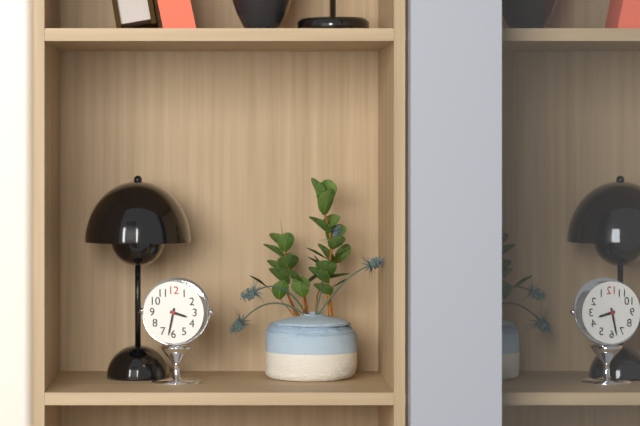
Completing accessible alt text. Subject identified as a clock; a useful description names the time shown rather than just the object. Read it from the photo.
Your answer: 3:32
